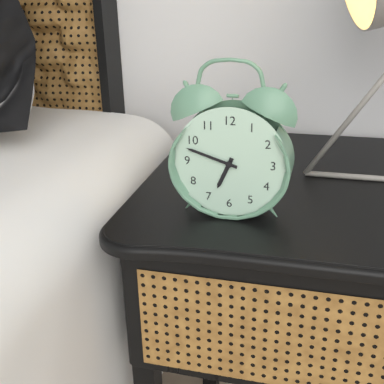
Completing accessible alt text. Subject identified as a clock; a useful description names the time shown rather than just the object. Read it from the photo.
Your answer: 6:48
